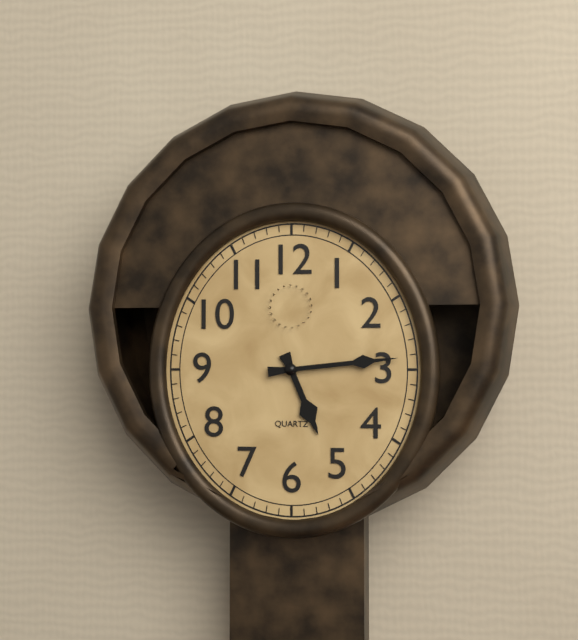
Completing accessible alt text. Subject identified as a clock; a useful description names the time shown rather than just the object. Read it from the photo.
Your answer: 5:14
